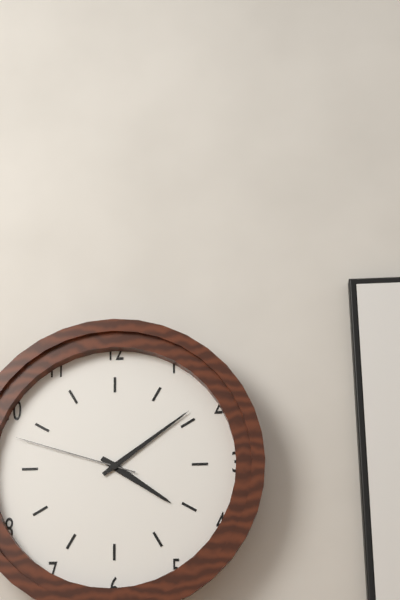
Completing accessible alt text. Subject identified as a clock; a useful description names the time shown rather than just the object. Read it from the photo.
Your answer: 4:09:48
